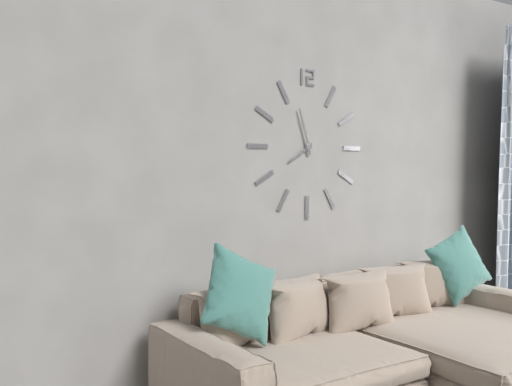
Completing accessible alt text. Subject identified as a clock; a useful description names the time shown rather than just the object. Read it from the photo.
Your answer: 7:57
